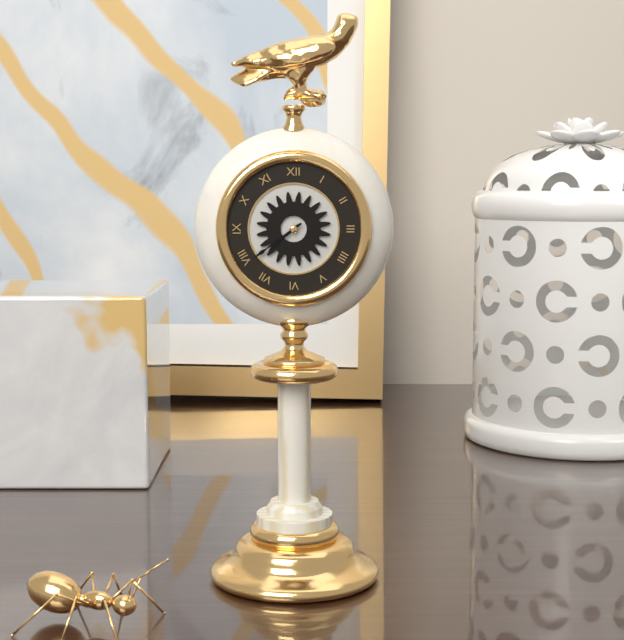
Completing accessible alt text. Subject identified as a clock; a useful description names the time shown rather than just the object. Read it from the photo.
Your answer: 7:39
